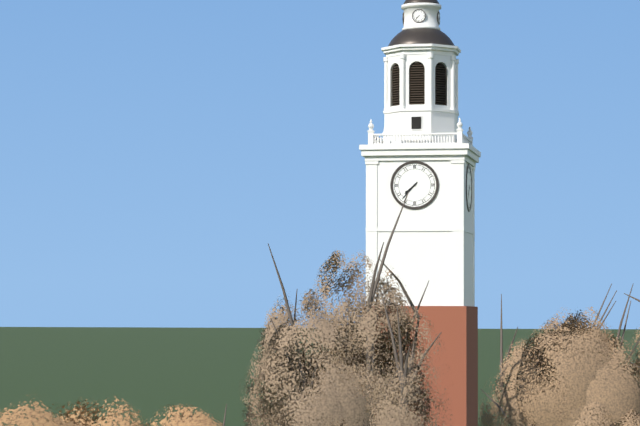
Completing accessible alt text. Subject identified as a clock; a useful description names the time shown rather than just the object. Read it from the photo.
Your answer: 7:37
